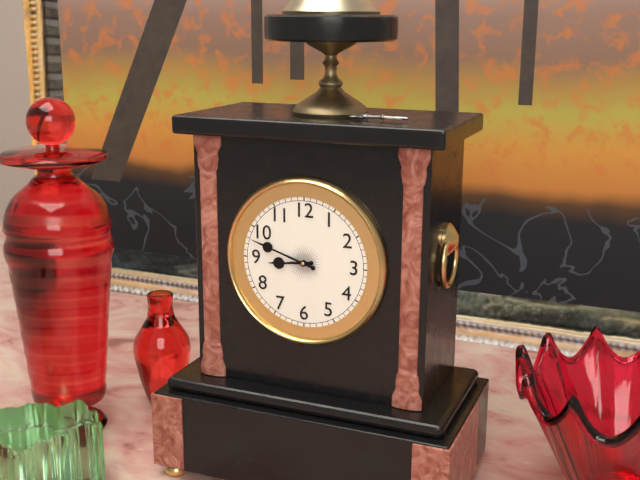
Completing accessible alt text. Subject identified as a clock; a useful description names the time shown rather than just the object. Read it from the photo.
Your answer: 8:48
